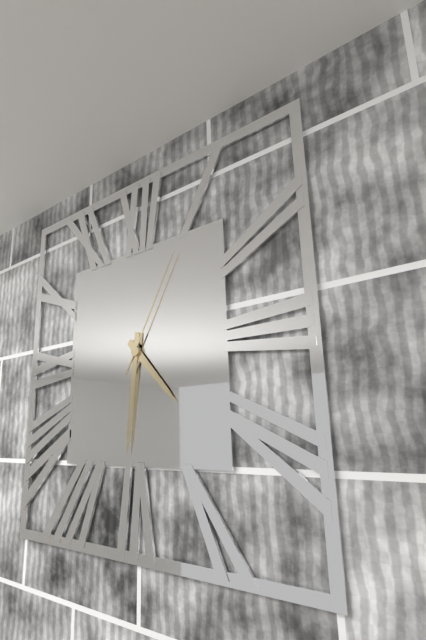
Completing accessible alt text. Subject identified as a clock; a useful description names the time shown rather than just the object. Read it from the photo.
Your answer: 4:31:05
